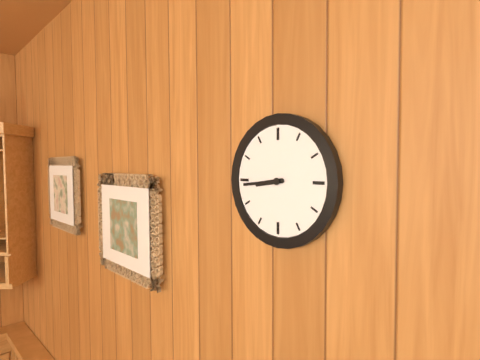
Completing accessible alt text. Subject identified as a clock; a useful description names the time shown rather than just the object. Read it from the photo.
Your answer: 8:44
